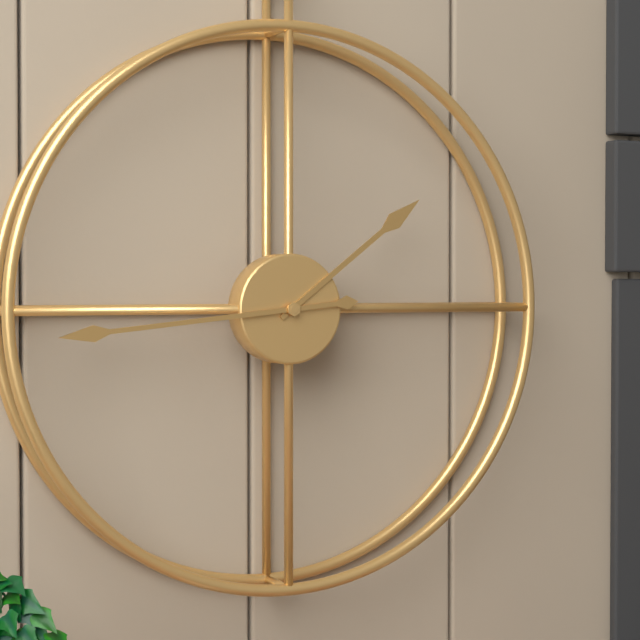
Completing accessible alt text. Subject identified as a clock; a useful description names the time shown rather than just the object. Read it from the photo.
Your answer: 1:44
